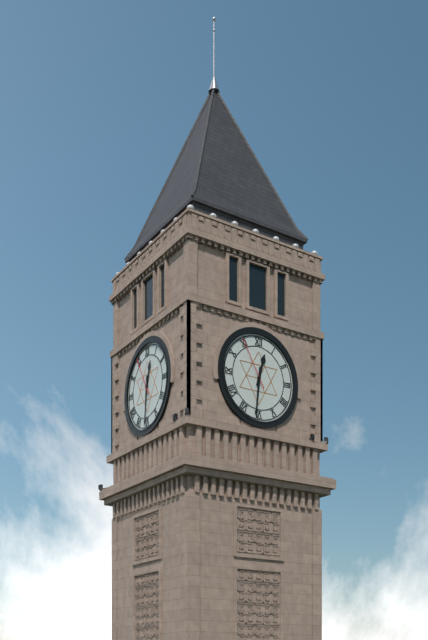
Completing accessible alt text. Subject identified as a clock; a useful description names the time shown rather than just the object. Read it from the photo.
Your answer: 12:31:55
